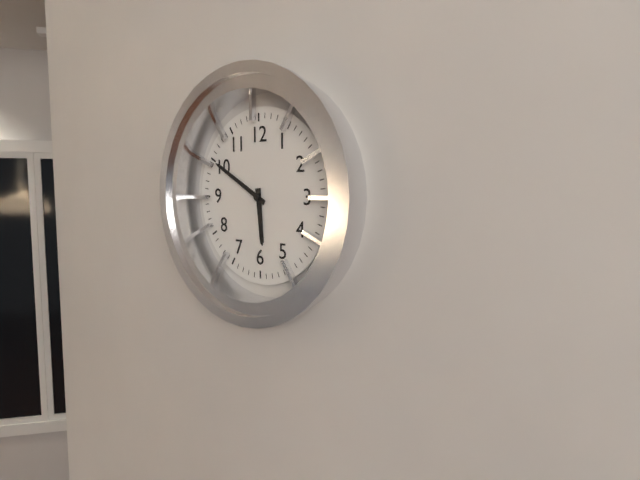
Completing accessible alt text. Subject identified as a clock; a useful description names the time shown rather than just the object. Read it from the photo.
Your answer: 5:50
